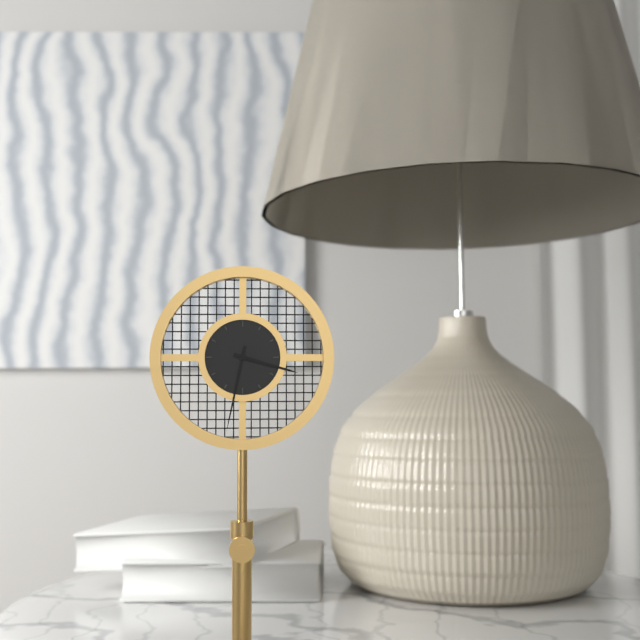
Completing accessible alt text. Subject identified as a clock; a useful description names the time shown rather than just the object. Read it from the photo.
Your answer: 3:32
